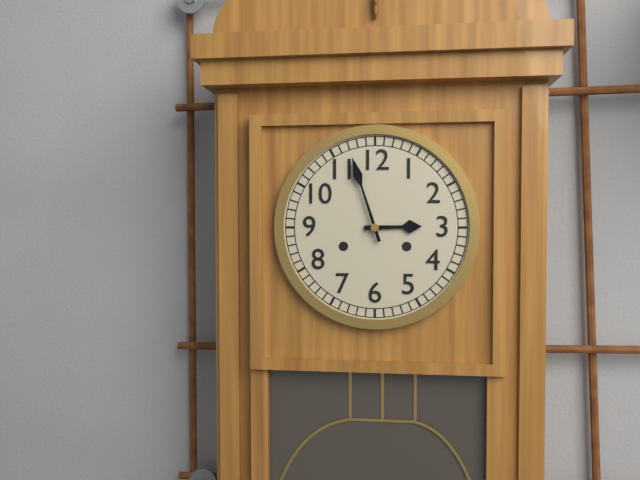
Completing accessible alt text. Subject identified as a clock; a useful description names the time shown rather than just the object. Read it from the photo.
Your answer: 2:57
